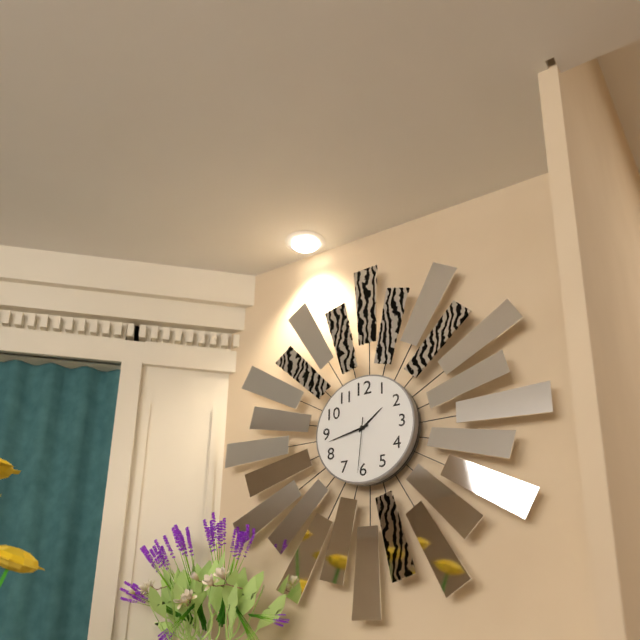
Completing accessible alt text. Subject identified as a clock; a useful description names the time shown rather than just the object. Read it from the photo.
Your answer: 1:43:31
